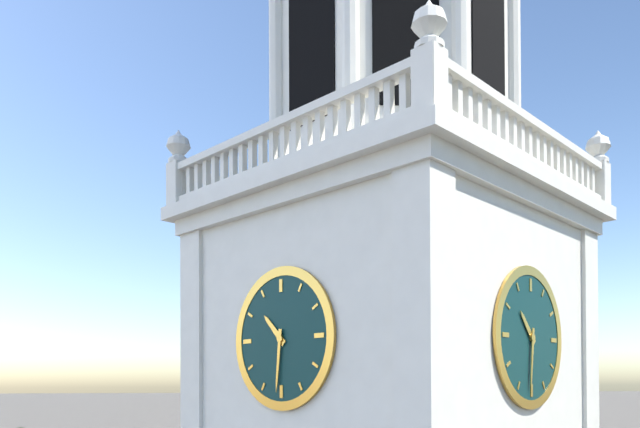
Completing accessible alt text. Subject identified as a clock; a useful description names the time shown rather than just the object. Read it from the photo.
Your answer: 10:31
